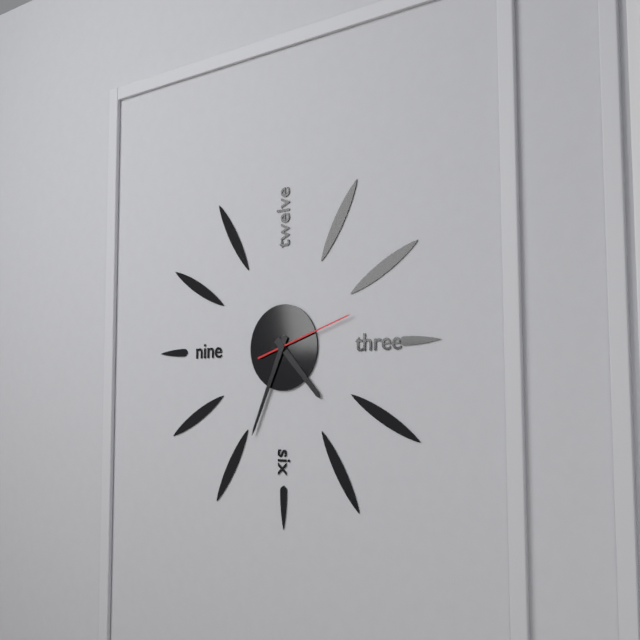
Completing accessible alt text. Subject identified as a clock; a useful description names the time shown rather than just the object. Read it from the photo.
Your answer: 4:34:12
